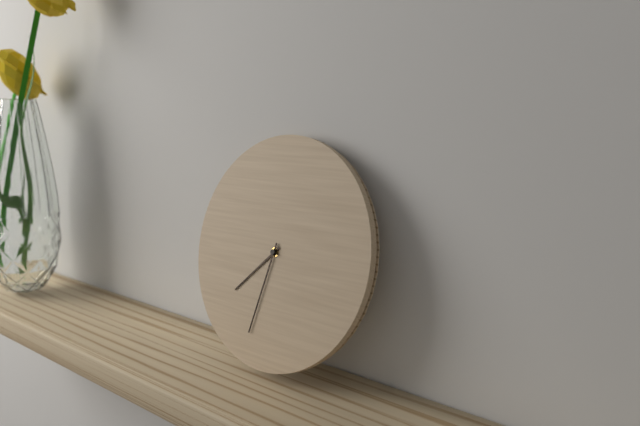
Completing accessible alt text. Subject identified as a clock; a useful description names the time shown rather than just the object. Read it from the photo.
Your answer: 7:32
